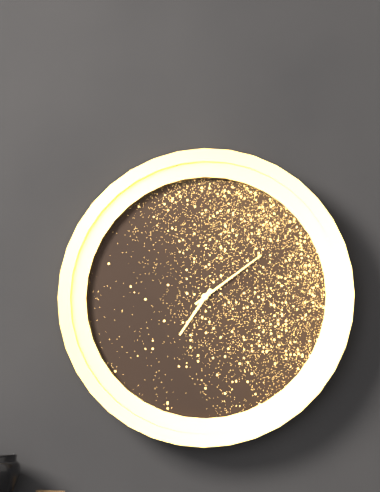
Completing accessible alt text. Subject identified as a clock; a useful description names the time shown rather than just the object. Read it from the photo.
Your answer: 7:09
